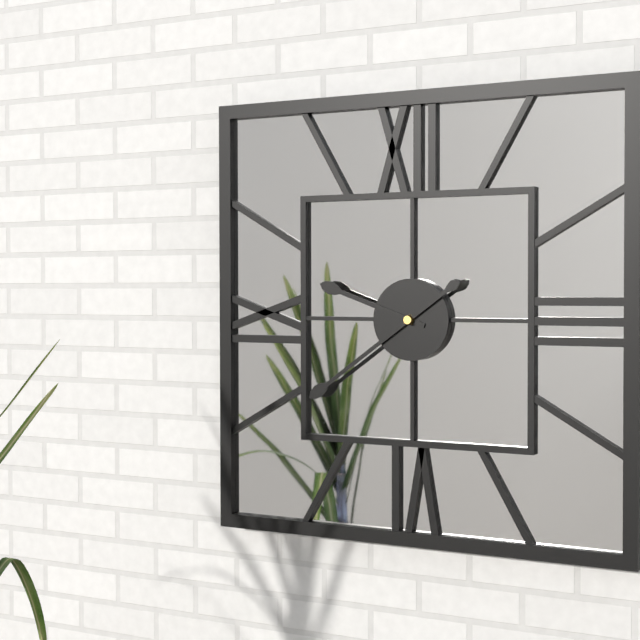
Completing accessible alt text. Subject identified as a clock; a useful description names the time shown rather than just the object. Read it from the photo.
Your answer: 9:39
